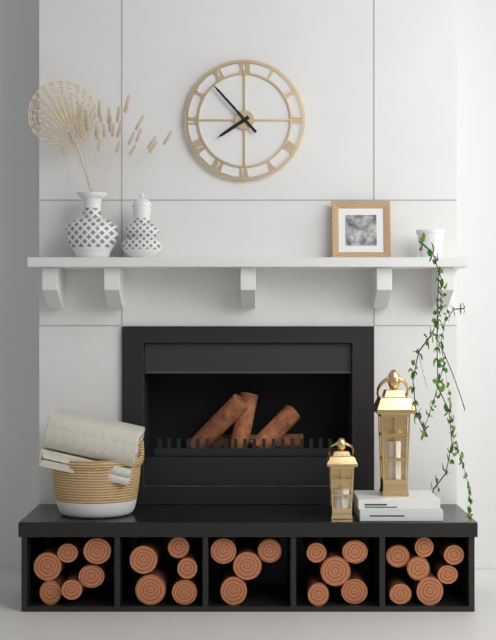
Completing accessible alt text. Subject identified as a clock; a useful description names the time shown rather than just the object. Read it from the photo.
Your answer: 7:53
